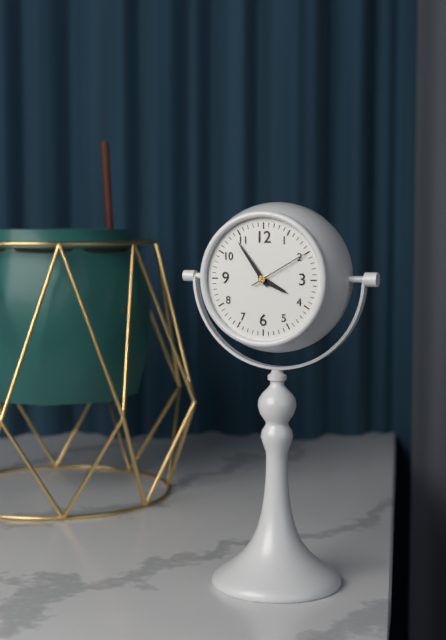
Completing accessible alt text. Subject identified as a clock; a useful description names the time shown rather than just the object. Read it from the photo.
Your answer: 3:54:10
